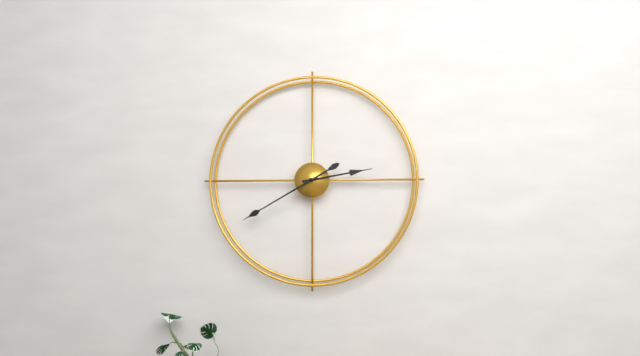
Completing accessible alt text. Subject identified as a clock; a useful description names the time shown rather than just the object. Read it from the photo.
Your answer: 2:40
